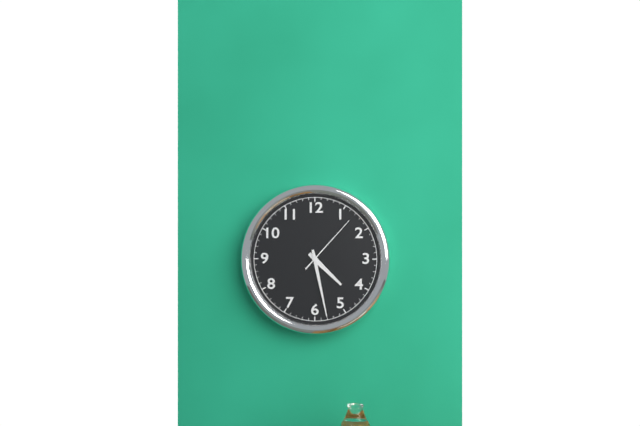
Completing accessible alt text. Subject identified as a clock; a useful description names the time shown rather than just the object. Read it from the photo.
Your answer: 4:28:07
